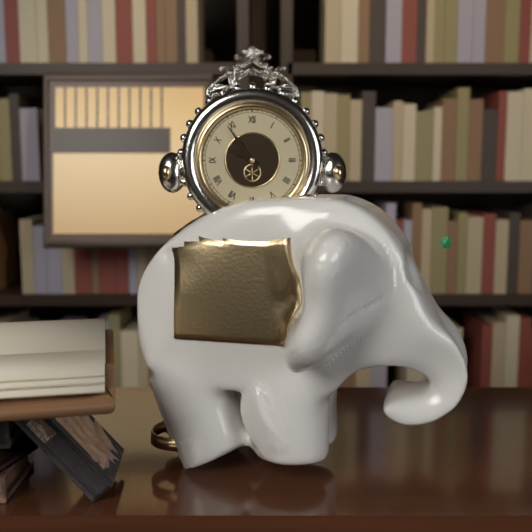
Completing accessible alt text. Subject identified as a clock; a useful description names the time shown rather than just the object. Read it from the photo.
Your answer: 9:54
